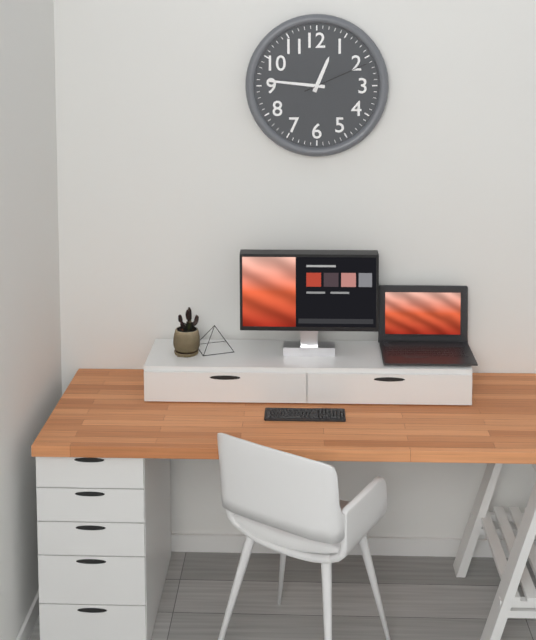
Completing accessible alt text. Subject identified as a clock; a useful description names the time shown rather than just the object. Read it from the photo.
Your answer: 12:46:11
